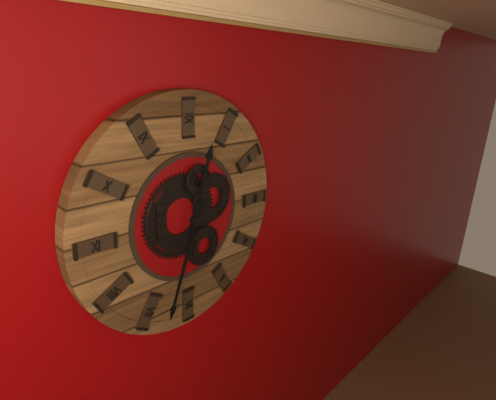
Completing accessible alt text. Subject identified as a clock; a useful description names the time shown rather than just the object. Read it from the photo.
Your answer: 12:33
